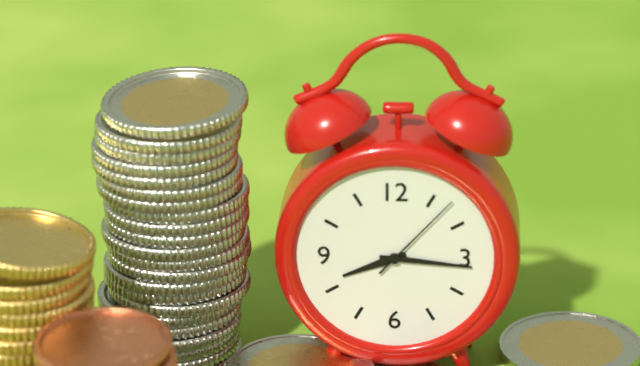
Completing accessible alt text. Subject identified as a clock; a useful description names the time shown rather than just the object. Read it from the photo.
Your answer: 8:16:07
